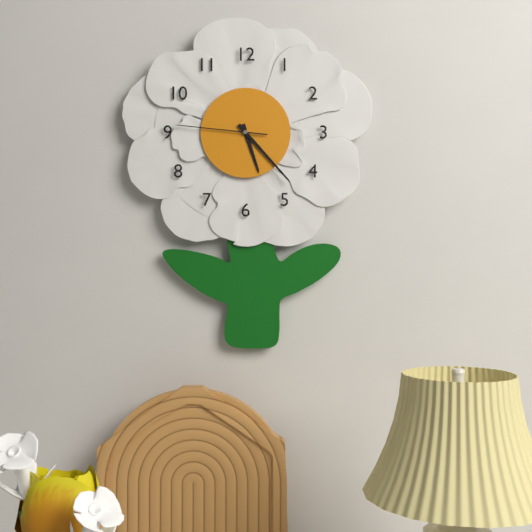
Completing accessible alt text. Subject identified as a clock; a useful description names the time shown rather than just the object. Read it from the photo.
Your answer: 5:23:46
